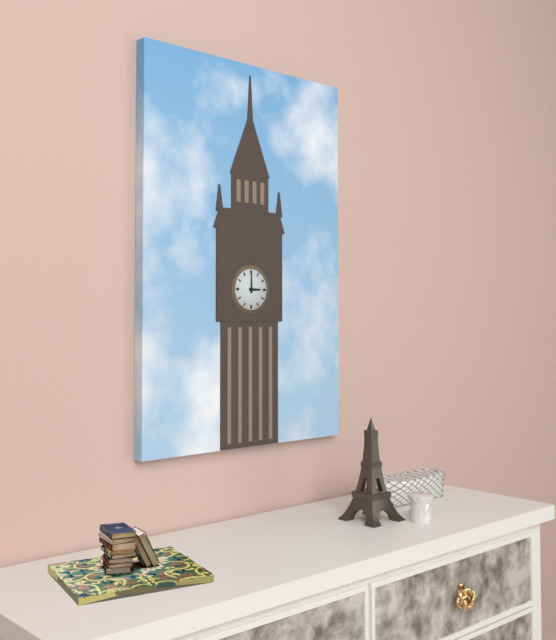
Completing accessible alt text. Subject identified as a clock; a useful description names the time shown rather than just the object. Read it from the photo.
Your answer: 3:00
